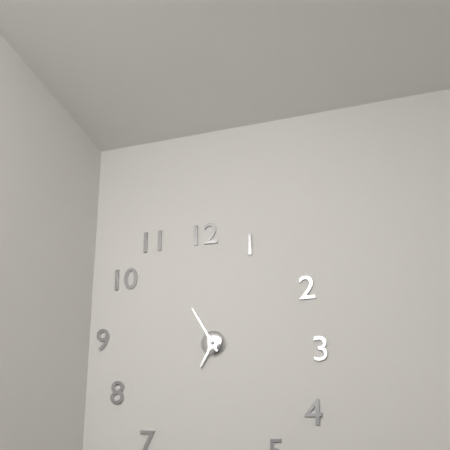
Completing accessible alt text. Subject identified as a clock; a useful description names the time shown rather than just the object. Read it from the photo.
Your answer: 6:55
